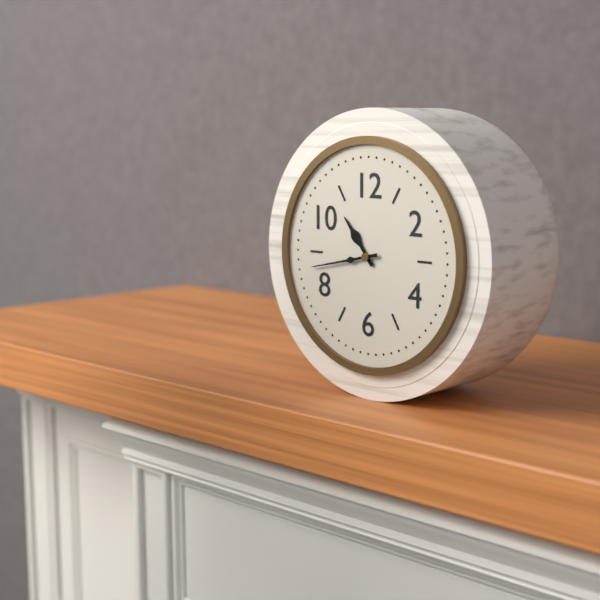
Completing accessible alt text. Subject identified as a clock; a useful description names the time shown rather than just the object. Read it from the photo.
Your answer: 10:43
